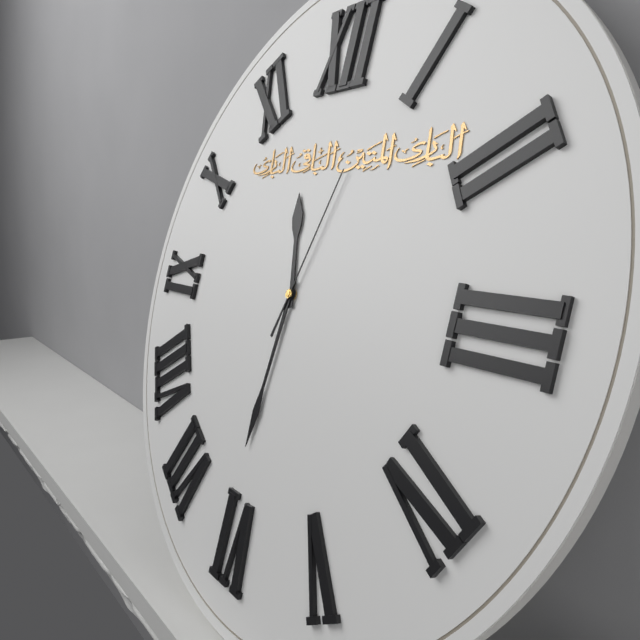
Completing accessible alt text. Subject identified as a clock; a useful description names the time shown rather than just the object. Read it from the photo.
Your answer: 11:31:03
